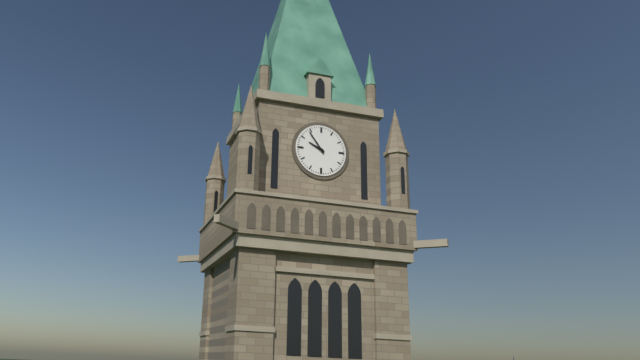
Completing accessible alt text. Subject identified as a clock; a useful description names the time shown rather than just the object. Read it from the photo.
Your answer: 9:54
